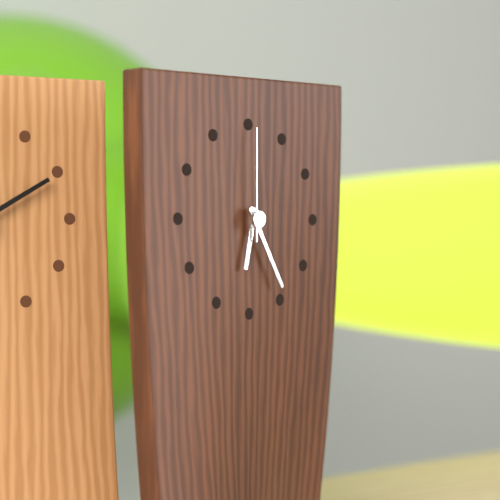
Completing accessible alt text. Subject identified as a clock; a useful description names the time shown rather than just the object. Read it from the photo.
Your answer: 6:25:00
